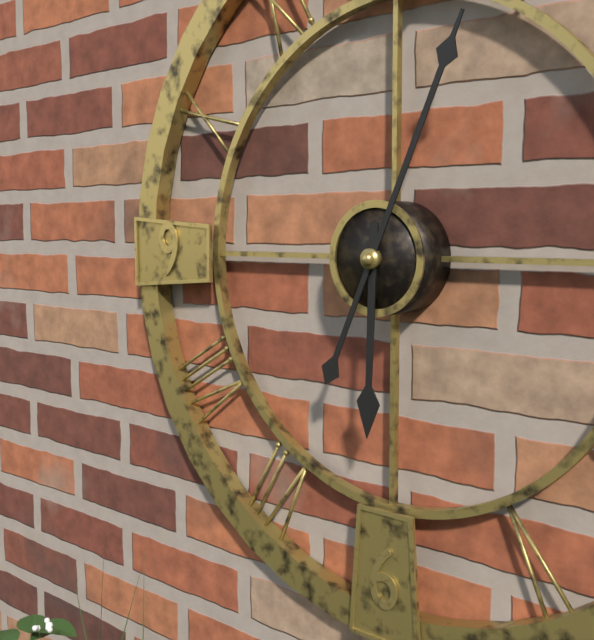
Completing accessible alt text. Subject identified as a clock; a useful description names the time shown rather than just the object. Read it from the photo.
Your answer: 6:04
